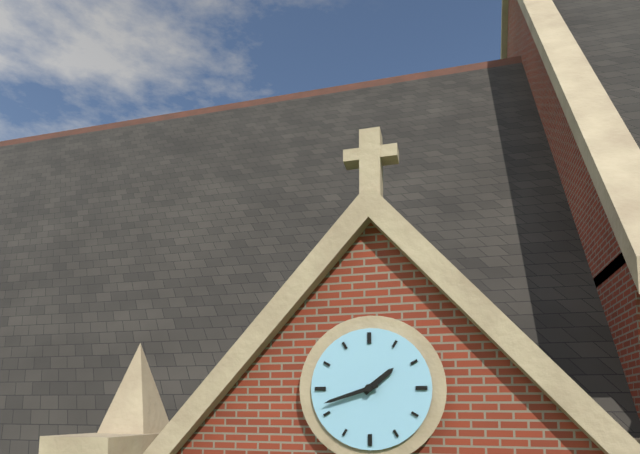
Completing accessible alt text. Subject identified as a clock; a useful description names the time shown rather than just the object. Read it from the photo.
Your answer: 1:42
